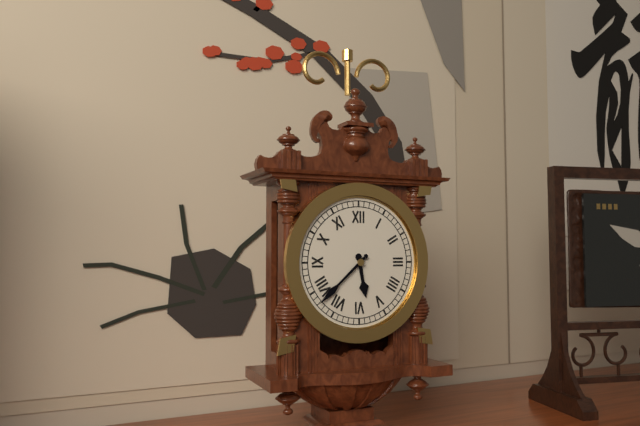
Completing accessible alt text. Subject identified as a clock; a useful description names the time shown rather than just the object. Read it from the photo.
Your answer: 5:38
